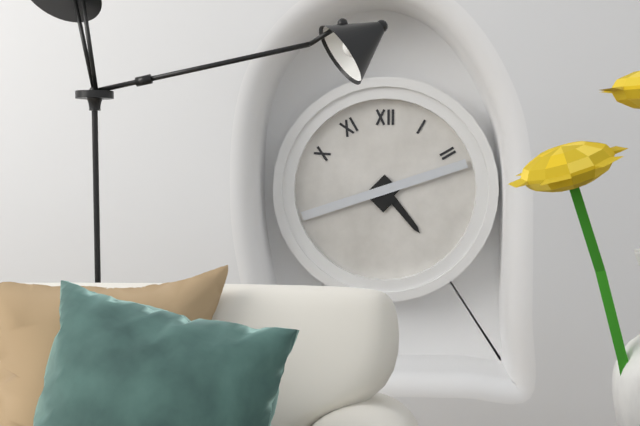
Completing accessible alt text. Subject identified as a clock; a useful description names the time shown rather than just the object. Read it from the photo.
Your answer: 4:42
